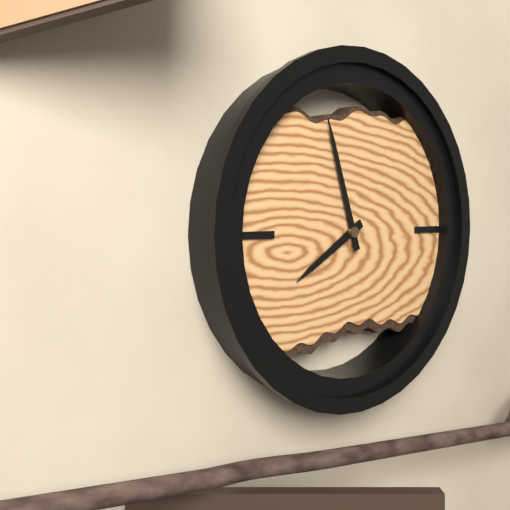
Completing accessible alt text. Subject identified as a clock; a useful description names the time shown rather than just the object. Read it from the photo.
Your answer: 7:57
